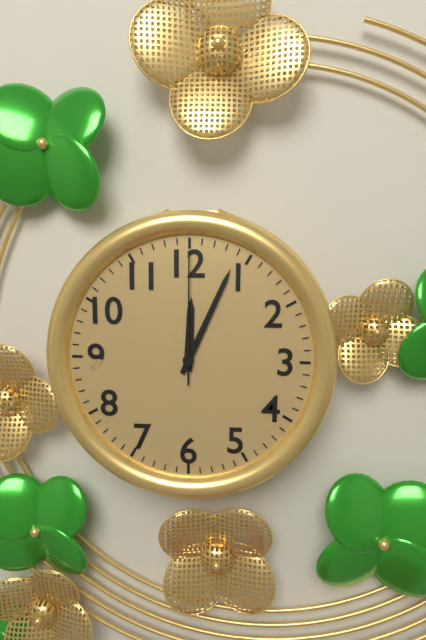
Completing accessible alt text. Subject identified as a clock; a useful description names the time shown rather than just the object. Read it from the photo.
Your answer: 12:04:00
